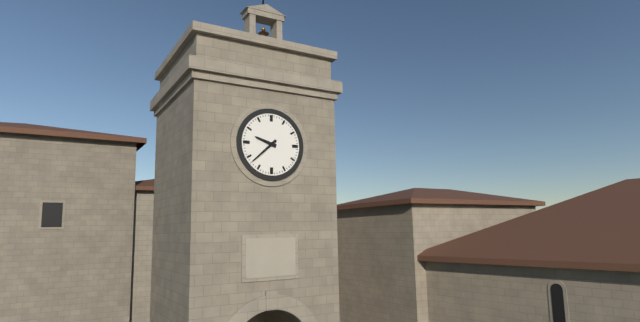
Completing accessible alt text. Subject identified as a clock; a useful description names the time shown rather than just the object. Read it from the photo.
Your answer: 9:38
